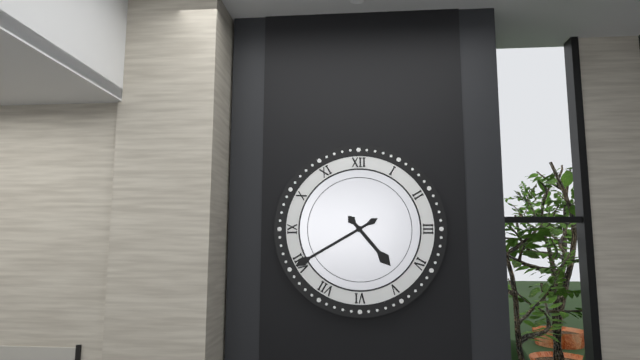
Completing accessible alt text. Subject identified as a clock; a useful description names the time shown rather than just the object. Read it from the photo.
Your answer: 4:40
